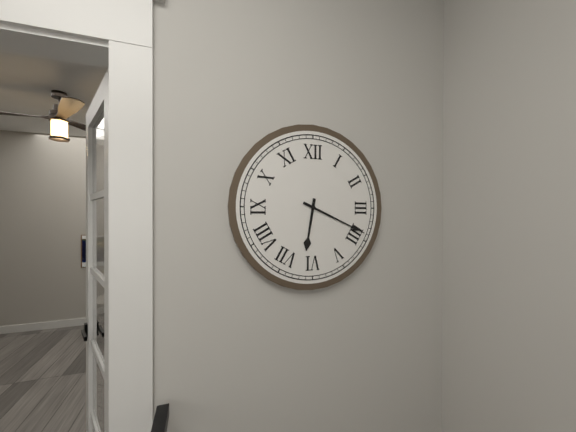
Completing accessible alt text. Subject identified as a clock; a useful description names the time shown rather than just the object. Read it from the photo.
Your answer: 6:19
